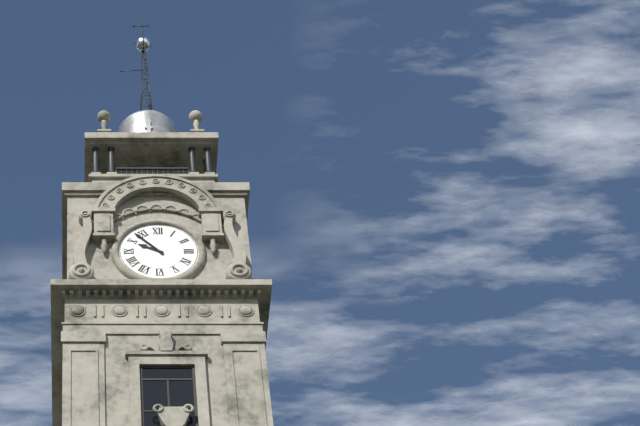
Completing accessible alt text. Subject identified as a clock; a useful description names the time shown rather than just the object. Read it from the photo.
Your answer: 9:53
